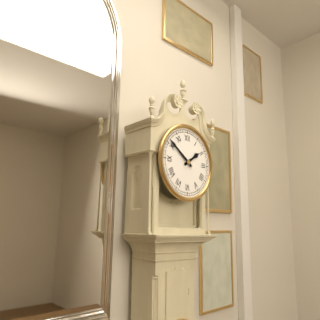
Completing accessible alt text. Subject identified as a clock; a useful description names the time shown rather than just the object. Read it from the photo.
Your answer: 1:51
